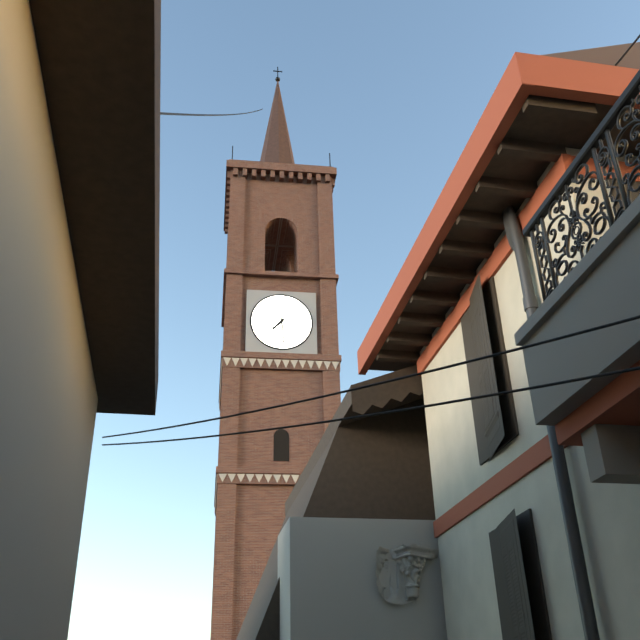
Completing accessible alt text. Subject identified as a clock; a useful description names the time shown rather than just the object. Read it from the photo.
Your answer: 7:29
